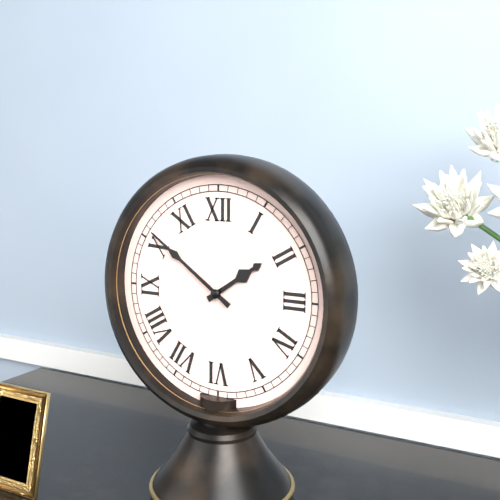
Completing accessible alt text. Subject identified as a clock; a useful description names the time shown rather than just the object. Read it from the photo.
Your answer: 1:51
